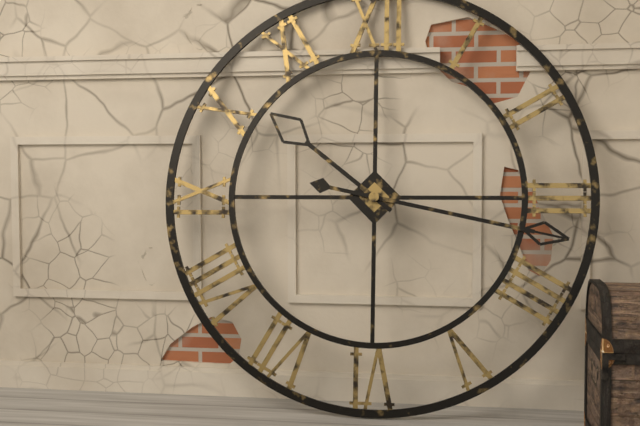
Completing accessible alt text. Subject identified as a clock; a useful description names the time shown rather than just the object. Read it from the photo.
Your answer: 10:17
